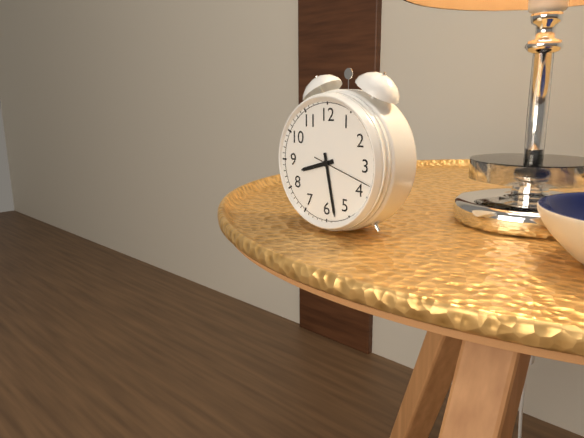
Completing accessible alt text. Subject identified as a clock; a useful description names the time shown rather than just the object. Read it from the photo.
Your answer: 8:28:18
